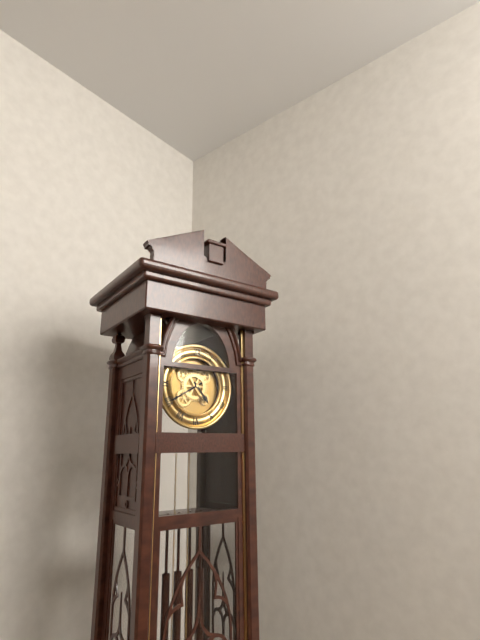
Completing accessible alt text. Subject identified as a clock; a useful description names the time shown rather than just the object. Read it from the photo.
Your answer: 4:40
